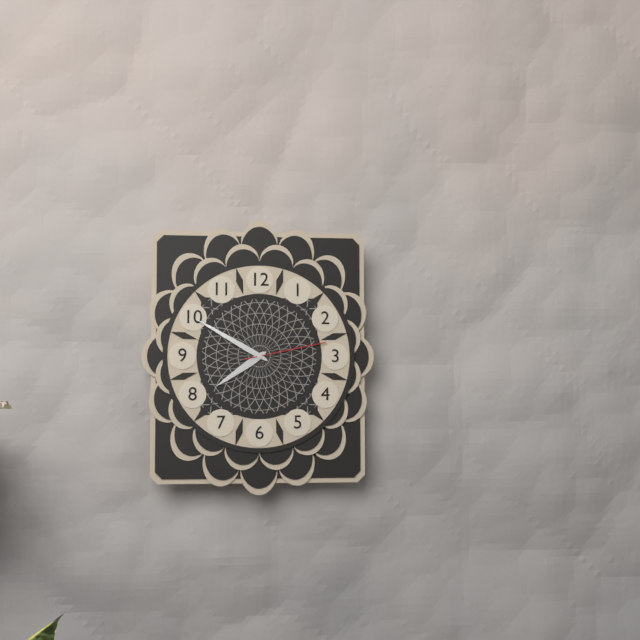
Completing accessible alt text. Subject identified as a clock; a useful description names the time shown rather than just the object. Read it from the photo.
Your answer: 7:50:13
